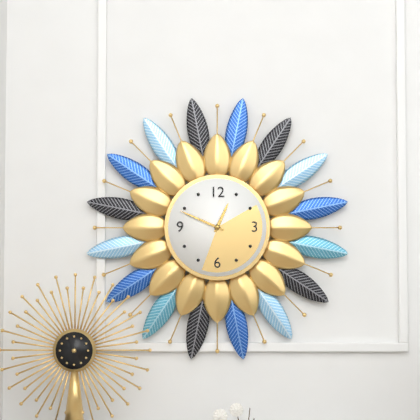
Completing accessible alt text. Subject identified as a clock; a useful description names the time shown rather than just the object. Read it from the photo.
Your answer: 12:49
